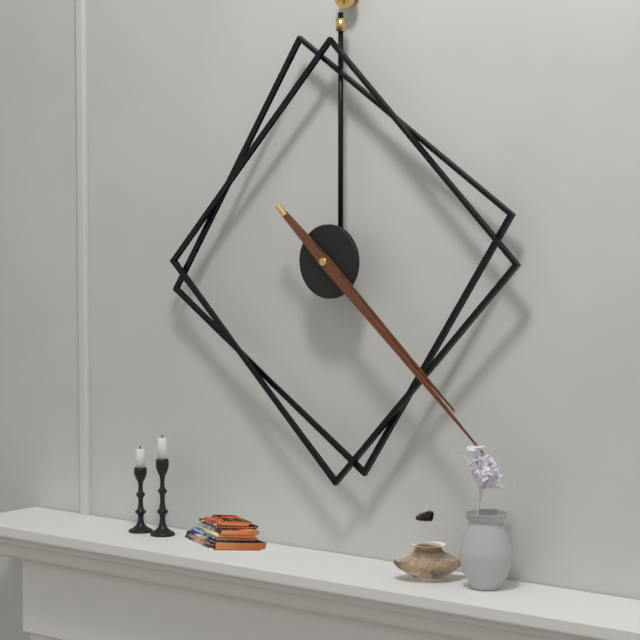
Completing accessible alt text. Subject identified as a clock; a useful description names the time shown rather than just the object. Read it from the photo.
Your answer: 4:22
